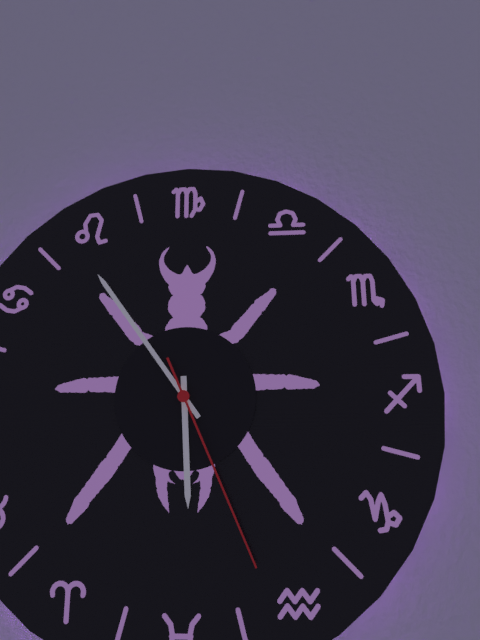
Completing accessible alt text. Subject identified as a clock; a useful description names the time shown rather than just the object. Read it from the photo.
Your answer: 5:54:26
